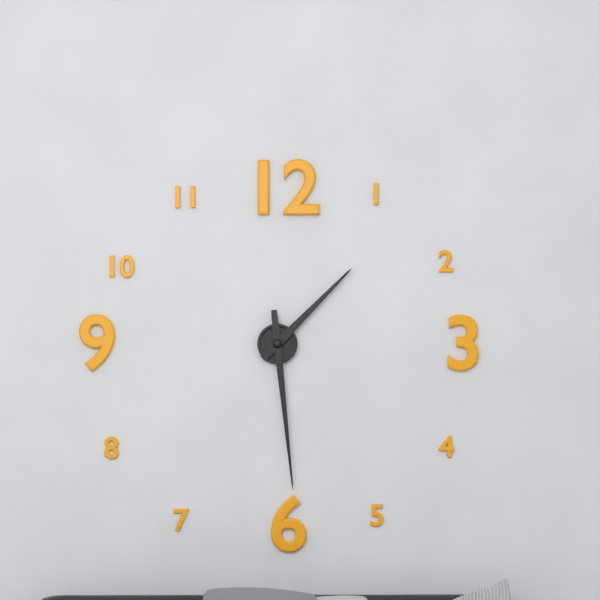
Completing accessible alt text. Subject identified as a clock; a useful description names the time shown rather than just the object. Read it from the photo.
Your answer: 1:29
